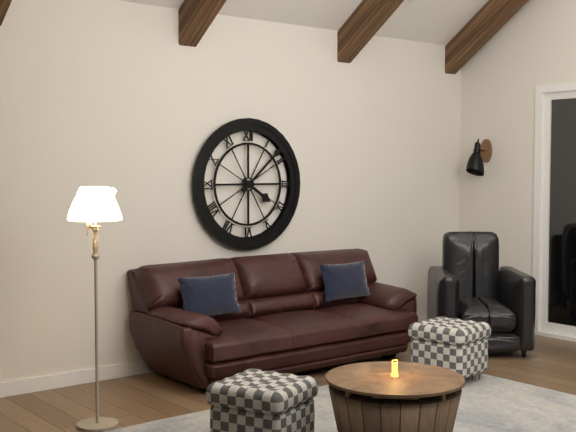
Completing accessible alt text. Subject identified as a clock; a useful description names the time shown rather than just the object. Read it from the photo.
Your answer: 4:08
